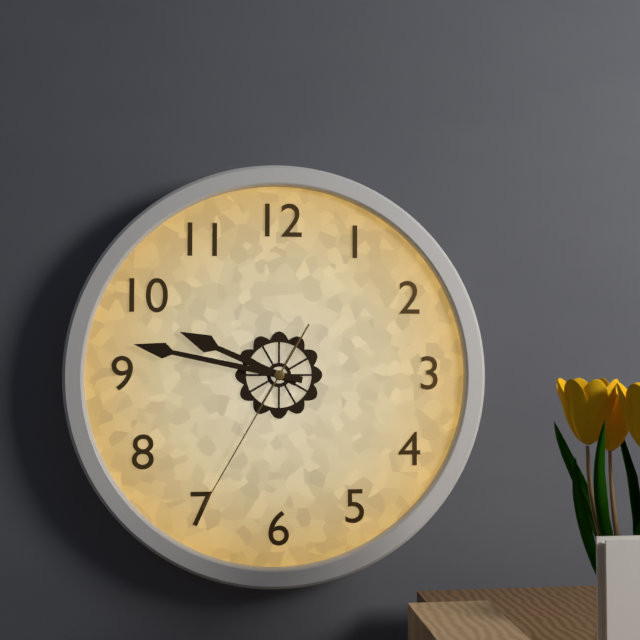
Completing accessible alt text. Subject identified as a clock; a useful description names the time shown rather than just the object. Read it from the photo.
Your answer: 9:47:35
